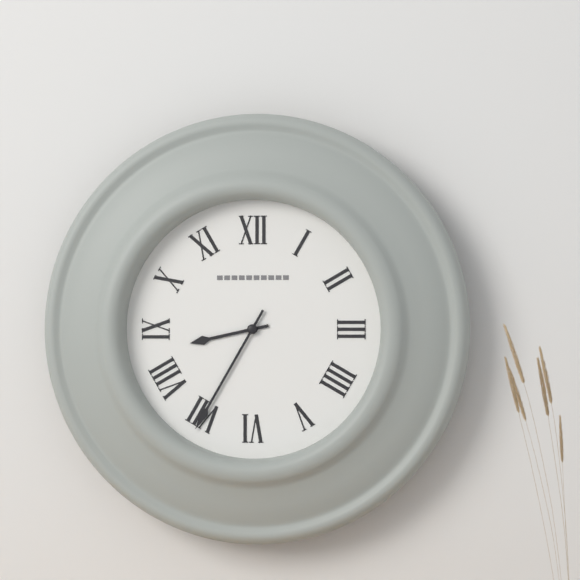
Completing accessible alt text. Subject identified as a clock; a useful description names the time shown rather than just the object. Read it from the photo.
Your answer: 8:35
